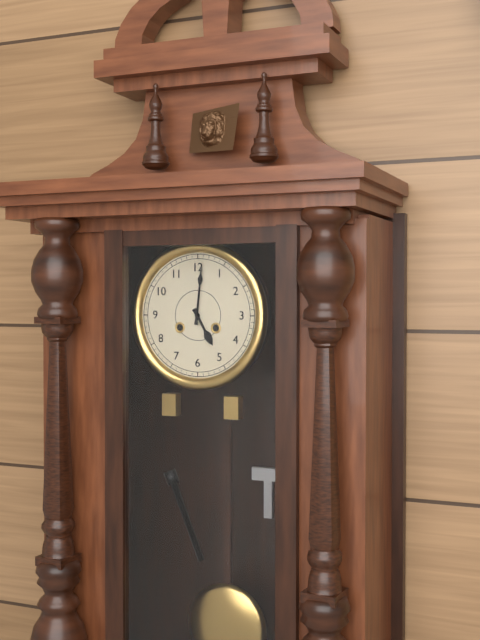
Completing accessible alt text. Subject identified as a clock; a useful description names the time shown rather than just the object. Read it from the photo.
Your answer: 5:01
